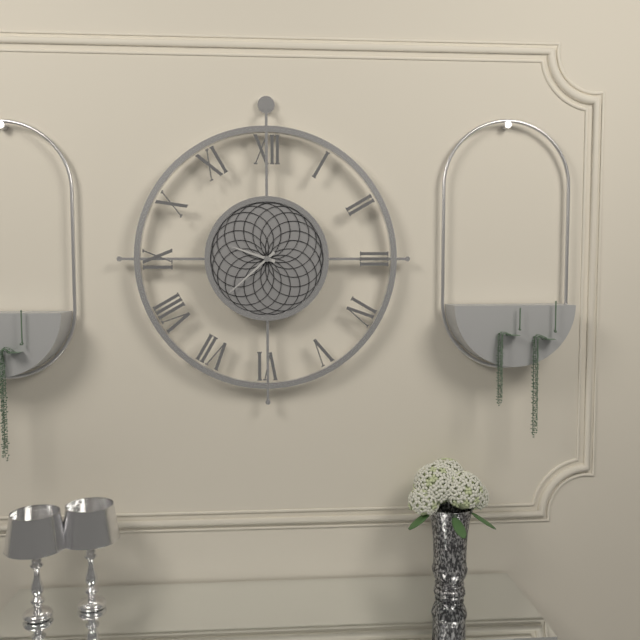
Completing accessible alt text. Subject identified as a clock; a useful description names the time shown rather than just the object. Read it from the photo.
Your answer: 9:38
